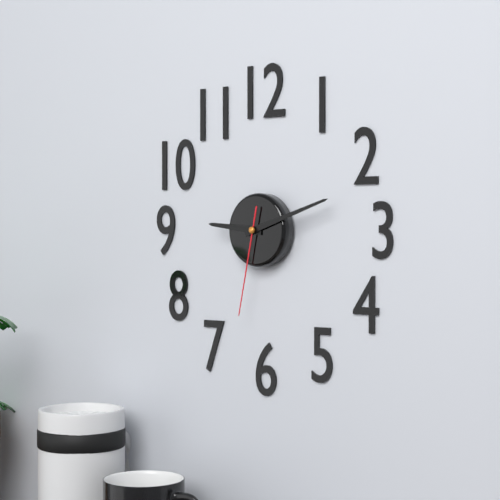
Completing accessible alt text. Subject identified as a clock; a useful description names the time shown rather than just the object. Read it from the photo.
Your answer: 9:12:32
